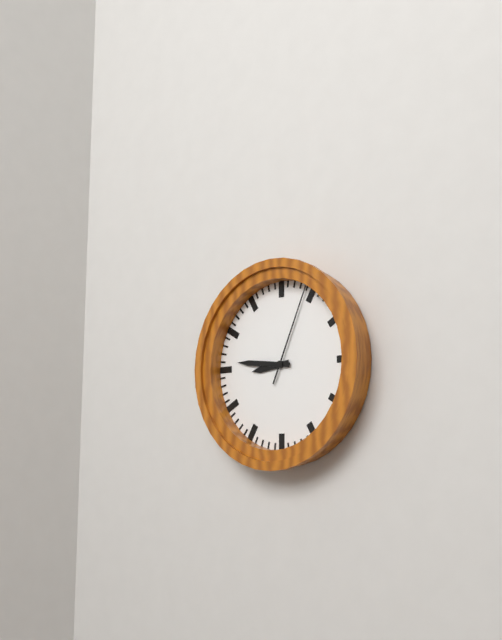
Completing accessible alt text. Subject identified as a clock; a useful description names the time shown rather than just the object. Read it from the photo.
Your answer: 8:46:04
